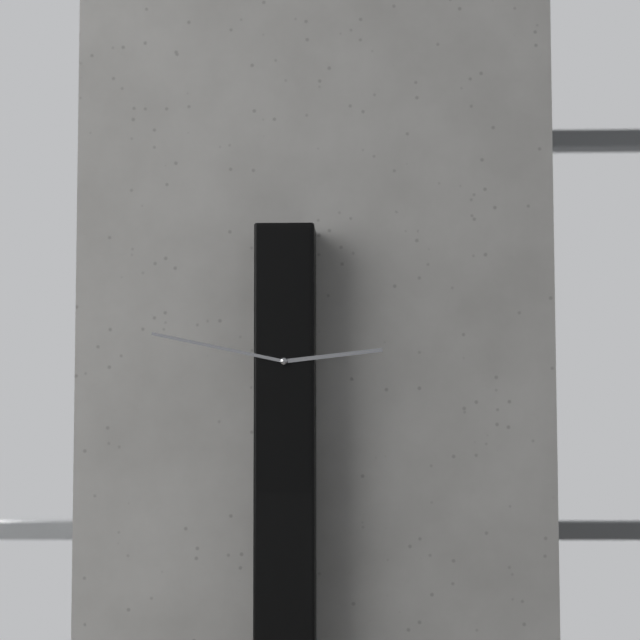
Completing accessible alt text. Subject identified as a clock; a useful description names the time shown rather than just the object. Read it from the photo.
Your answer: 2:47
